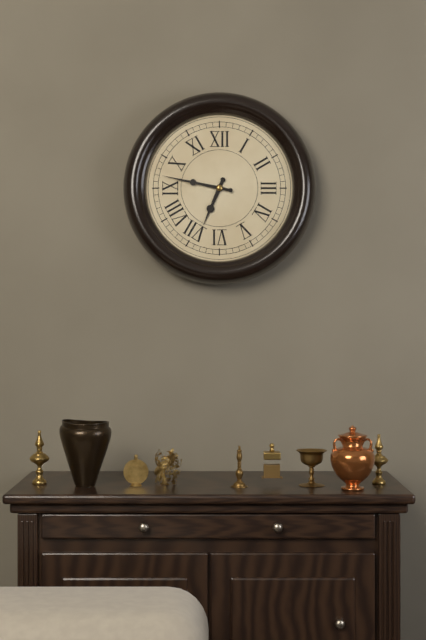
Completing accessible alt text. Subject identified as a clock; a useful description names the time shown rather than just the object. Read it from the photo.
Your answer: 6:47
